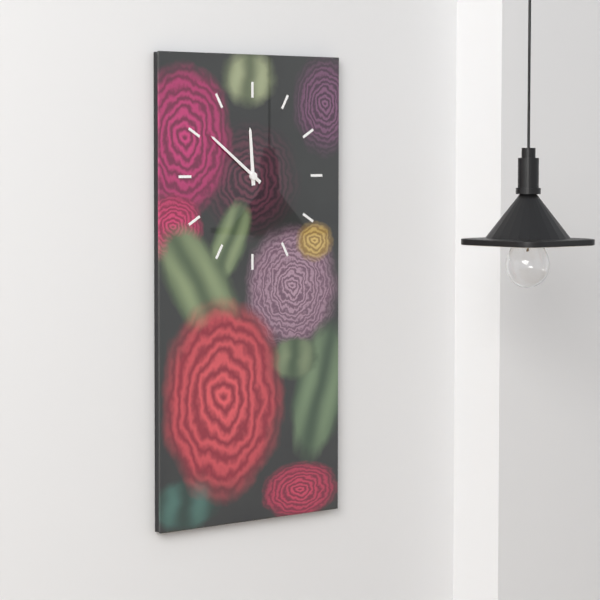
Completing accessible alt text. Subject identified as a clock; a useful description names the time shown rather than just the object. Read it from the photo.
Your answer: 11:51
